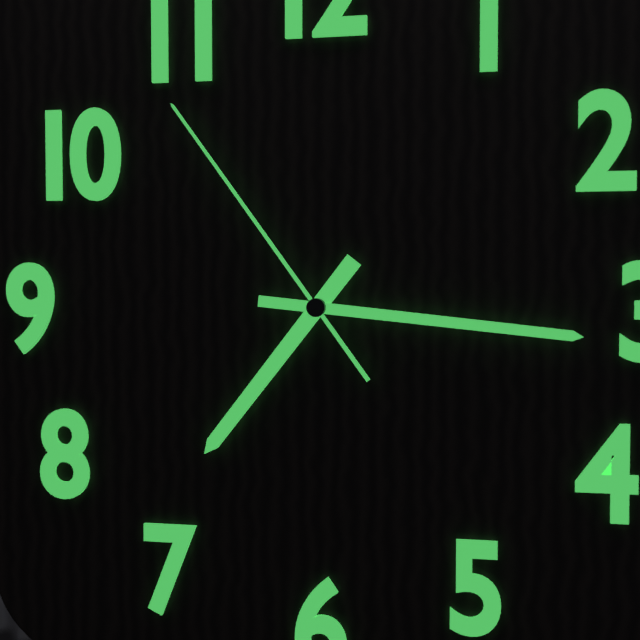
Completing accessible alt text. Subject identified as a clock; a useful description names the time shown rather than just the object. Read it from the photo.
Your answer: 7:16:54
